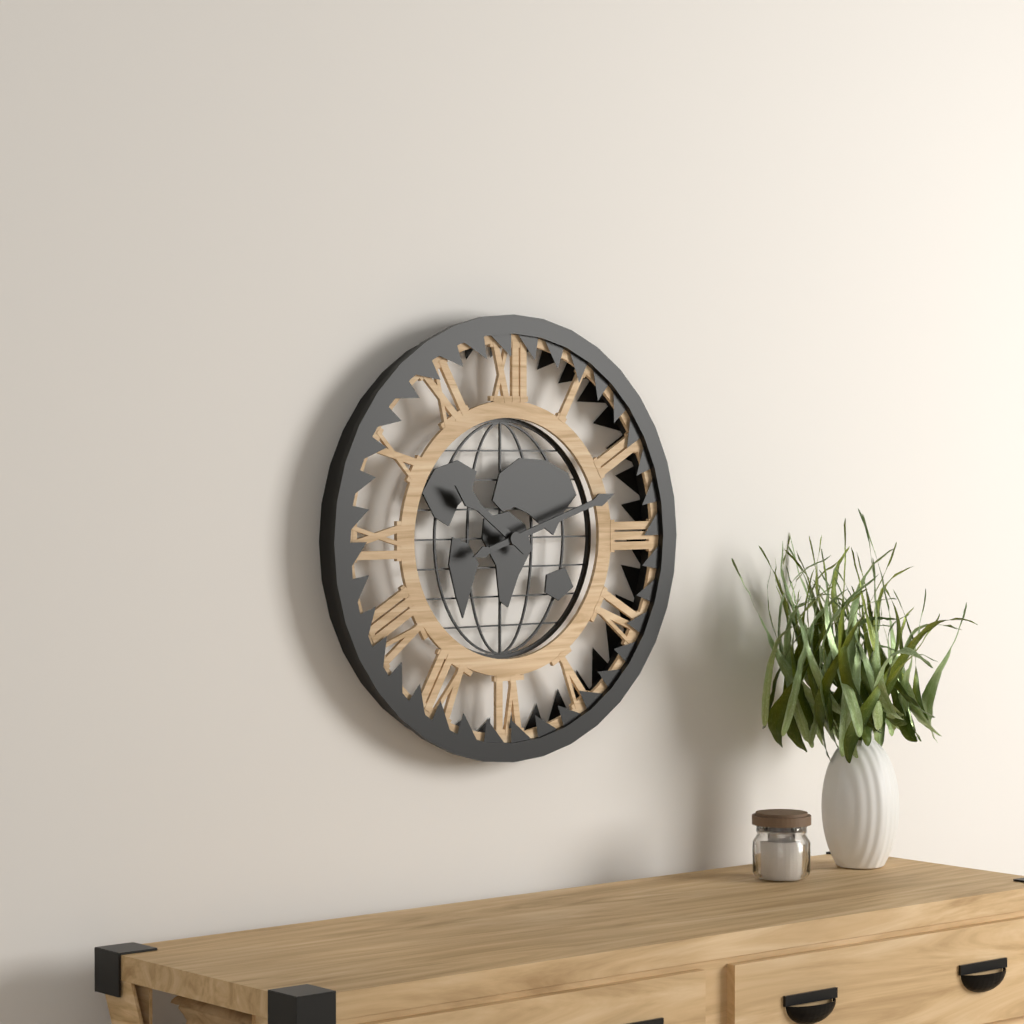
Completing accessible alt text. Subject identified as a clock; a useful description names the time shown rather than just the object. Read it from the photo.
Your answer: 10:12
